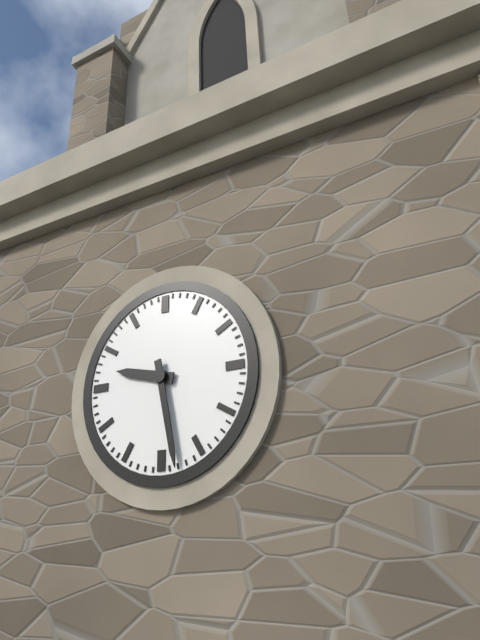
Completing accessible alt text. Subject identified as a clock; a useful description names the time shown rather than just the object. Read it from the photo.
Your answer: 9:28
